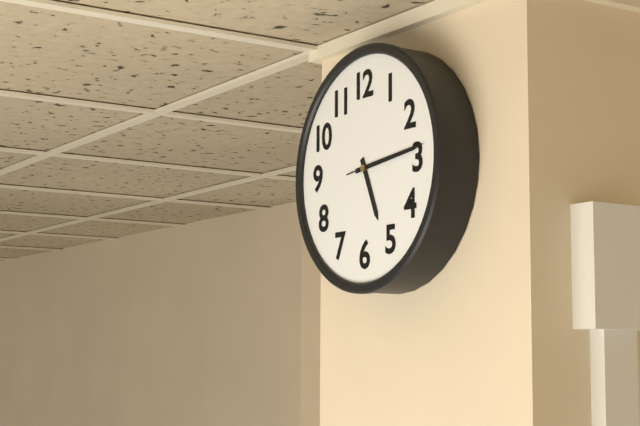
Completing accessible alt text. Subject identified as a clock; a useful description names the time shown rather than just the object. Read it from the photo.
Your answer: 5:14:14
